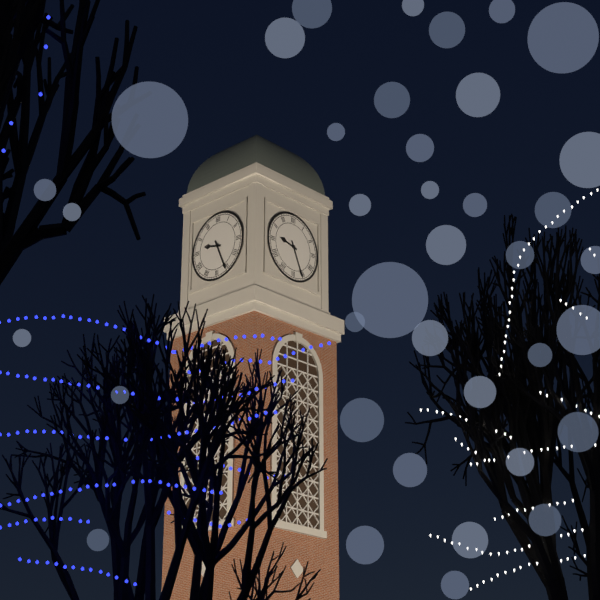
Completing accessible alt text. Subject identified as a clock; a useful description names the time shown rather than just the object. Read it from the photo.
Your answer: 9:26
